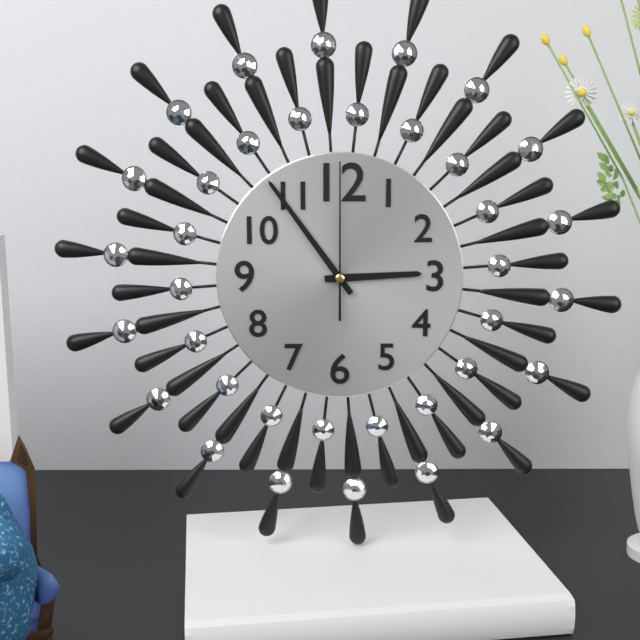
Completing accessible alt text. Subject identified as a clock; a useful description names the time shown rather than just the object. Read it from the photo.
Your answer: 2:54:00
